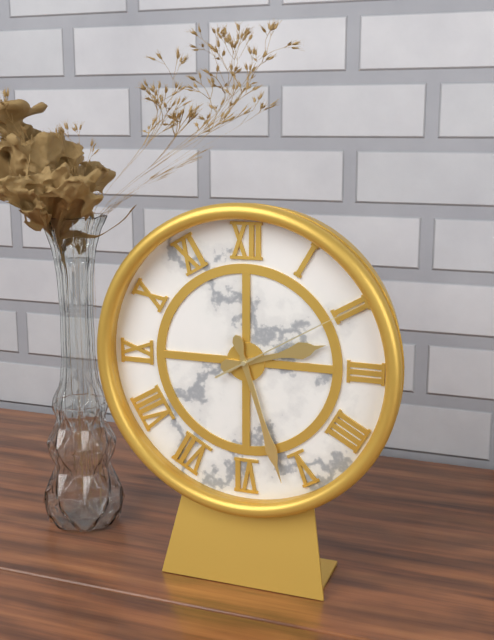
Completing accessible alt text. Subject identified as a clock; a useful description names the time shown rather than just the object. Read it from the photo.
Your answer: 2:27:10
